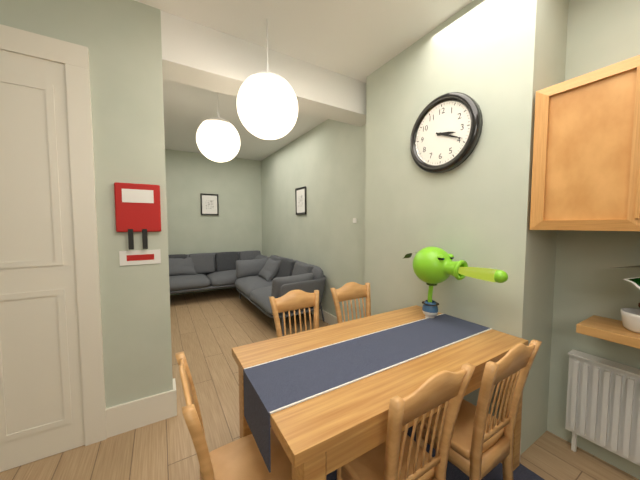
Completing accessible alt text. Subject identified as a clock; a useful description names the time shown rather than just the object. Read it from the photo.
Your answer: 3:19
